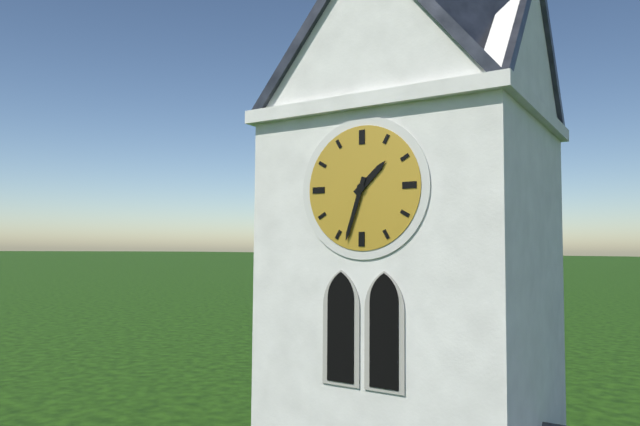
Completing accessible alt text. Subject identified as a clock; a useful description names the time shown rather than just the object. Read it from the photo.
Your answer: 1:33
